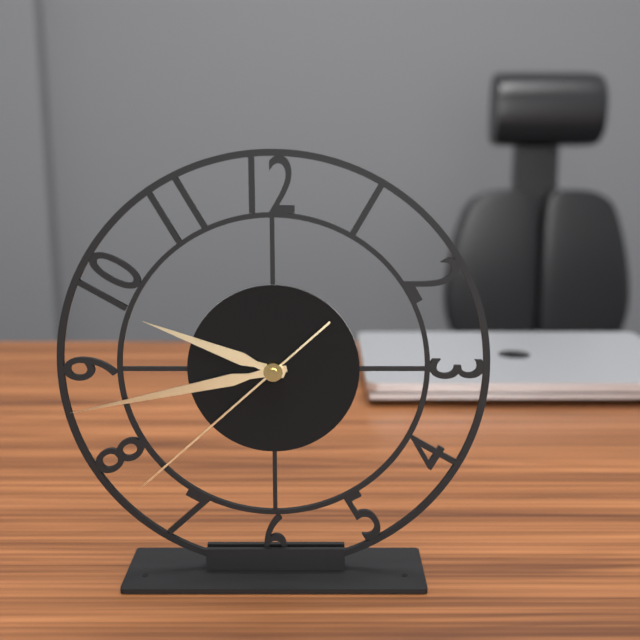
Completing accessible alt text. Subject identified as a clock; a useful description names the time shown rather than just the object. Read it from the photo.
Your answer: 9:43:38
